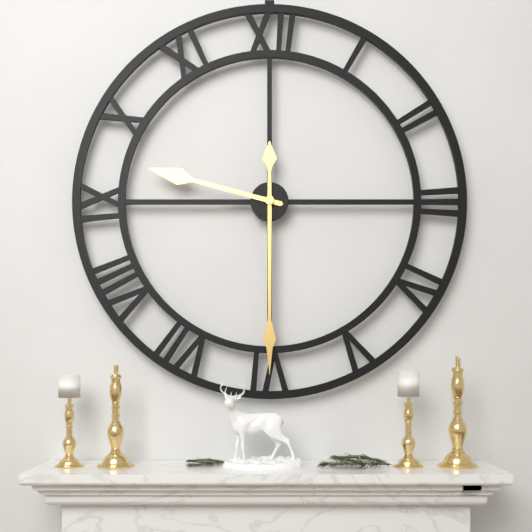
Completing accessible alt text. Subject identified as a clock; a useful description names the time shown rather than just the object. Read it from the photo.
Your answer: 9:30
